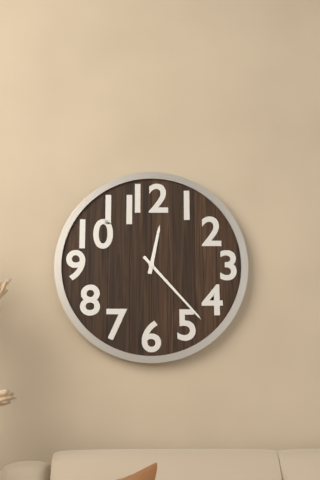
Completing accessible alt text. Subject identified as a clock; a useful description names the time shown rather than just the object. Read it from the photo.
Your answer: 12:23
